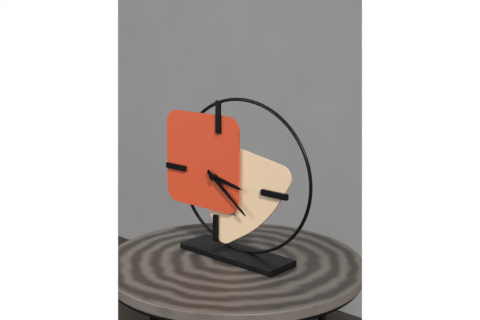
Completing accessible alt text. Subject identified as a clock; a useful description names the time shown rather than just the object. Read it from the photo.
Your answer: 3:21
